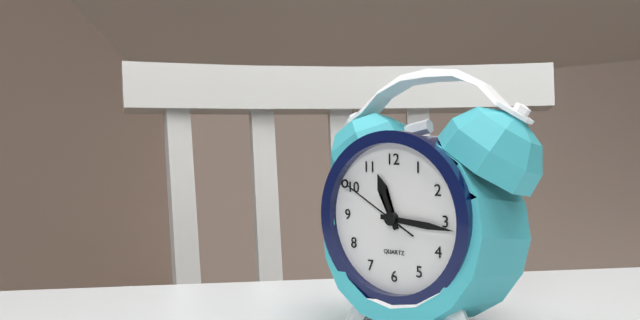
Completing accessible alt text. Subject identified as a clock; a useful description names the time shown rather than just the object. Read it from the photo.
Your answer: 11:16:50
